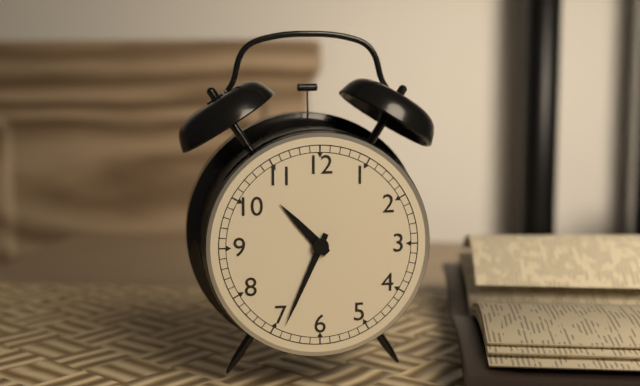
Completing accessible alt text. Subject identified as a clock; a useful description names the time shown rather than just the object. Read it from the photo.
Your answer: 10:34
